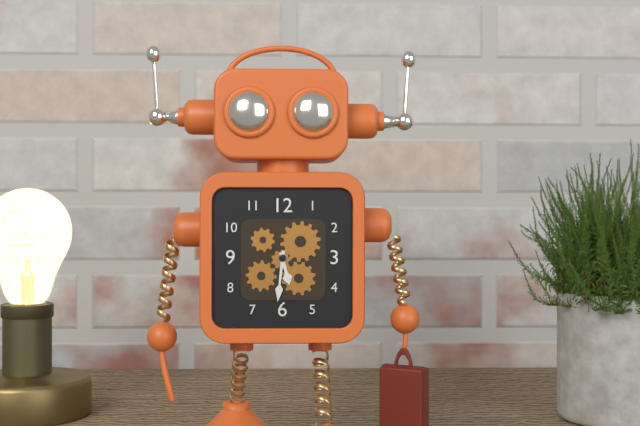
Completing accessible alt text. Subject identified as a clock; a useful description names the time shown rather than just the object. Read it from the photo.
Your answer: 5:31
